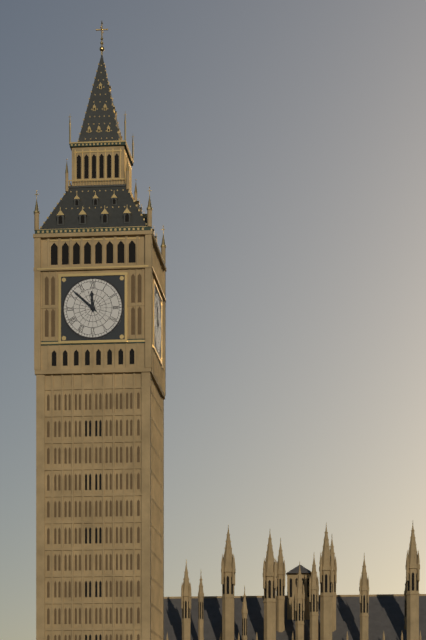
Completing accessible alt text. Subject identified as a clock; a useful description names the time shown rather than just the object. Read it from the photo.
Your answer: 11:52
